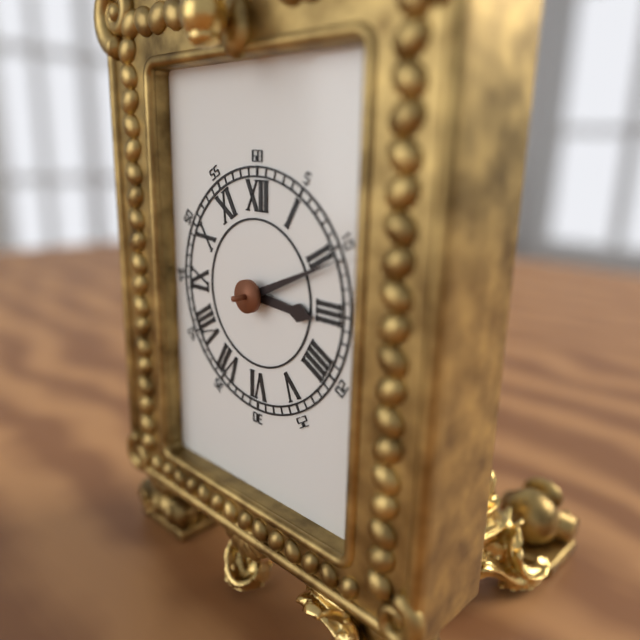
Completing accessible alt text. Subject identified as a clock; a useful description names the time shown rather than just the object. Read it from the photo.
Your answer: 3:11
